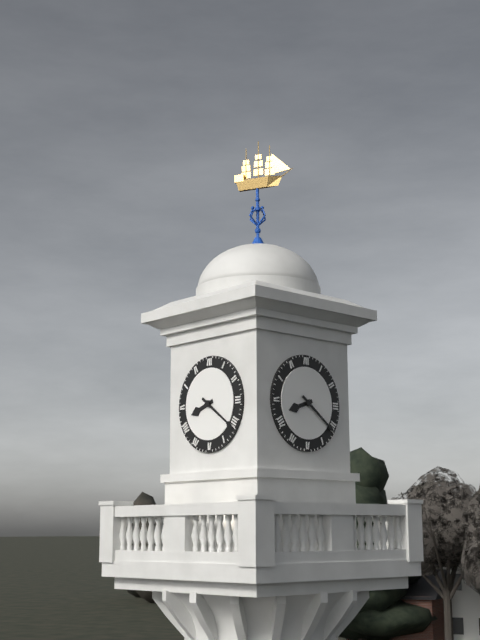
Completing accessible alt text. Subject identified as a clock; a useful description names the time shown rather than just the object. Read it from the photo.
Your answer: 8:21
